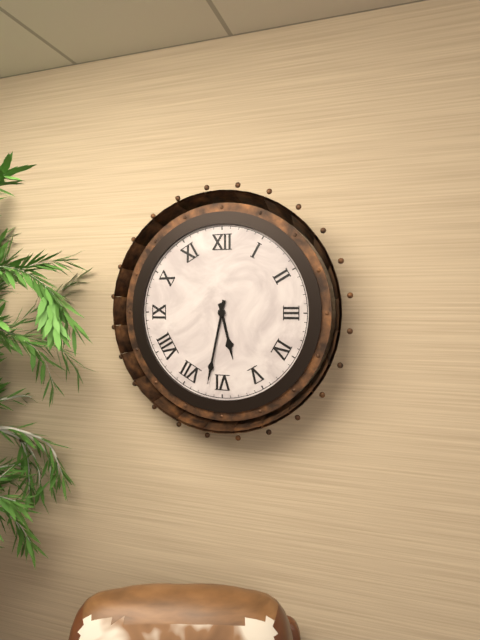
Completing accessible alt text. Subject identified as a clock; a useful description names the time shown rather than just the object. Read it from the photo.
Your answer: 5:32
